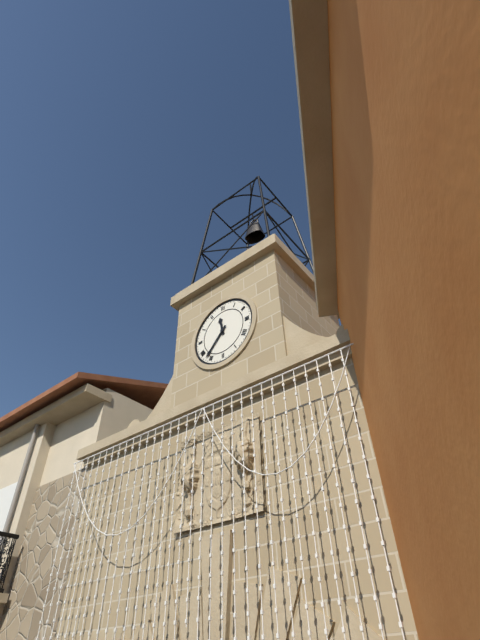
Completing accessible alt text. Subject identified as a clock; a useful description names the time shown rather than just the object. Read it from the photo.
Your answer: 11:37
